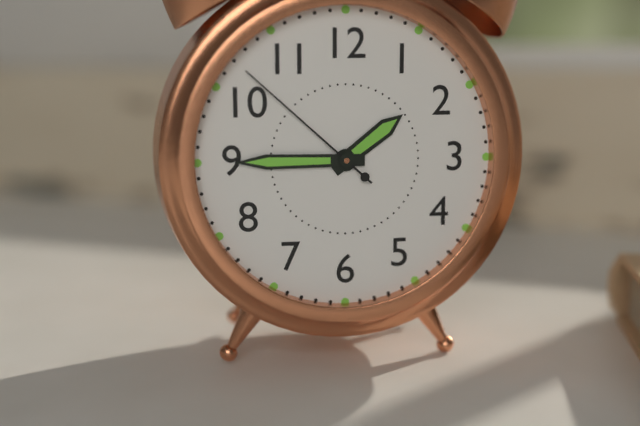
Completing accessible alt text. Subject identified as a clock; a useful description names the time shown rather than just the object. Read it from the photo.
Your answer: 1:45:52
